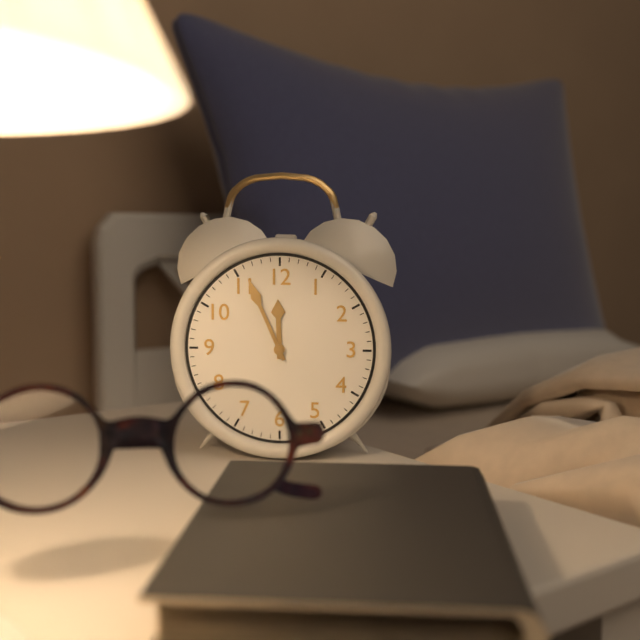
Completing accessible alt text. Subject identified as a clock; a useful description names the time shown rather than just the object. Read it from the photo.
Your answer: 11:56
